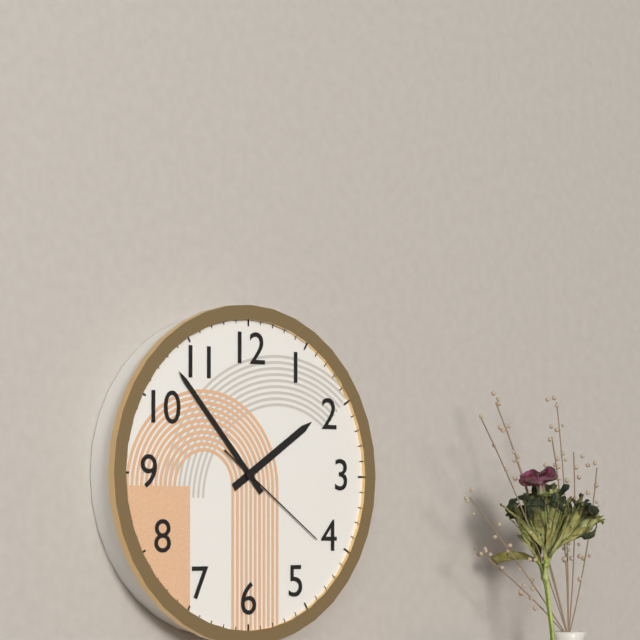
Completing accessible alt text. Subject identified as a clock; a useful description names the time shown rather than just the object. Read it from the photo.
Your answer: 1:53:21
